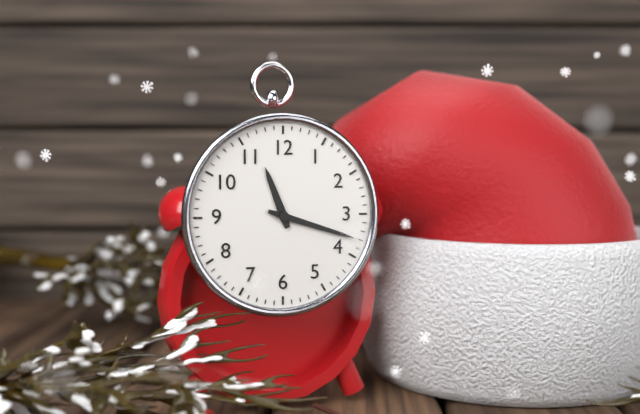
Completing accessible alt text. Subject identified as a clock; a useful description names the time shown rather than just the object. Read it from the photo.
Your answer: 11:18
